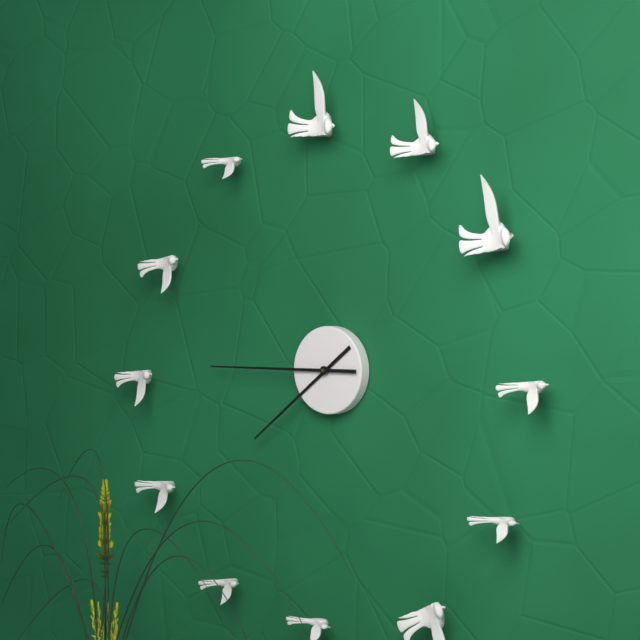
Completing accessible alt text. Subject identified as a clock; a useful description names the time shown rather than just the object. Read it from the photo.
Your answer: 7:45
